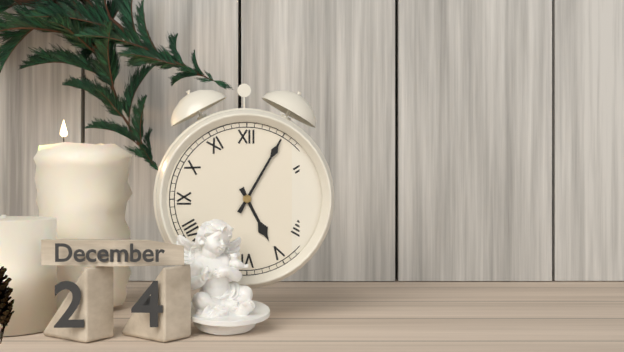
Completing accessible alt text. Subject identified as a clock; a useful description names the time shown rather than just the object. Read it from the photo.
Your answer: 5:05
